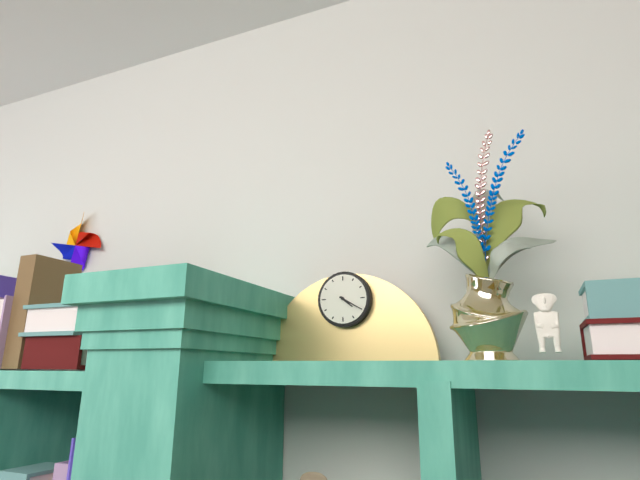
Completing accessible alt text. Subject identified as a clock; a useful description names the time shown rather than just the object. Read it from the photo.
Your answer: 4:20
